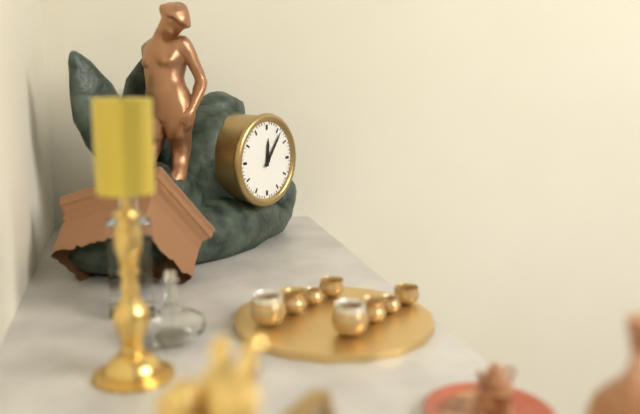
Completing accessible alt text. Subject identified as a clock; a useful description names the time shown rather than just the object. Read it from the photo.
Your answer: 12:06
